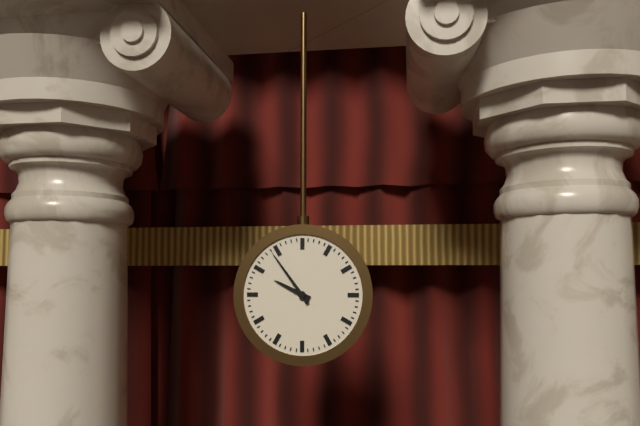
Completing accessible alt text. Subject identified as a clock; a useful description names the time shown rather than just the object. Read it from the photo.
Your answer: 9:54
